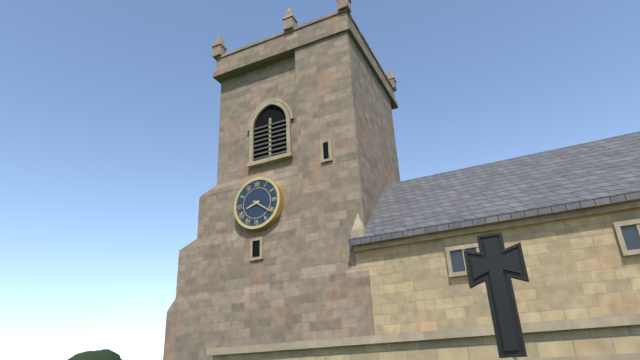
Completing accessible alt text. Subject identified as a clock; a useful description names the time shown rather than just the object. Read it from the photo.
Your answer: 8:21
